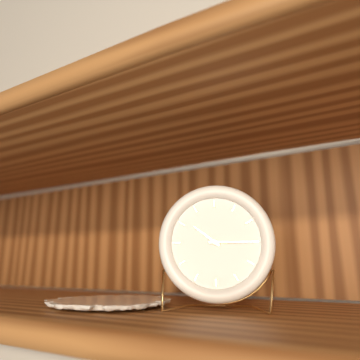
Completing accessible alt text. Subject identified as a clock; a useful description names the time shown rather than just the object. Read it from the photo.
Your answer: 10:15
